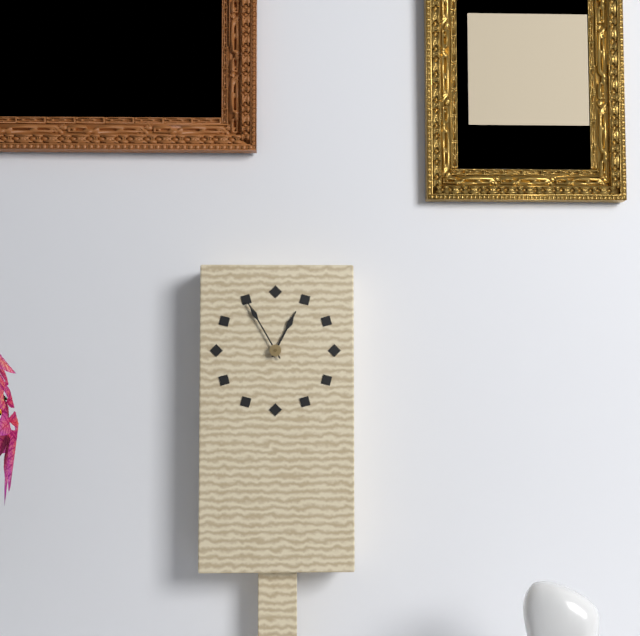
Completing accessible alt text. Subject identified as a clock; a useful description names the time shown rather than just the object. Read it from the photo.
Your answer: 12:55
